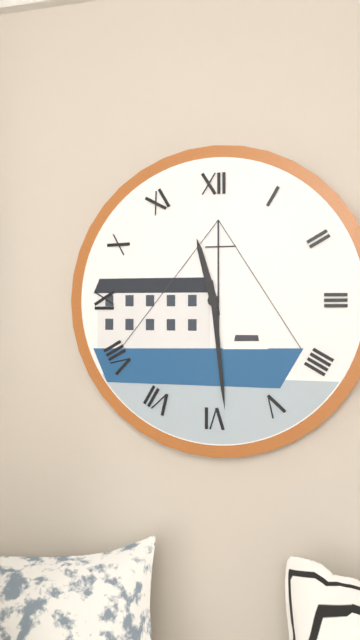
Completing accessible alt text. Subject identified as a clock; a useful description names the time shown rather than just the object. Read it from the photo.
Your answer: 11:29
